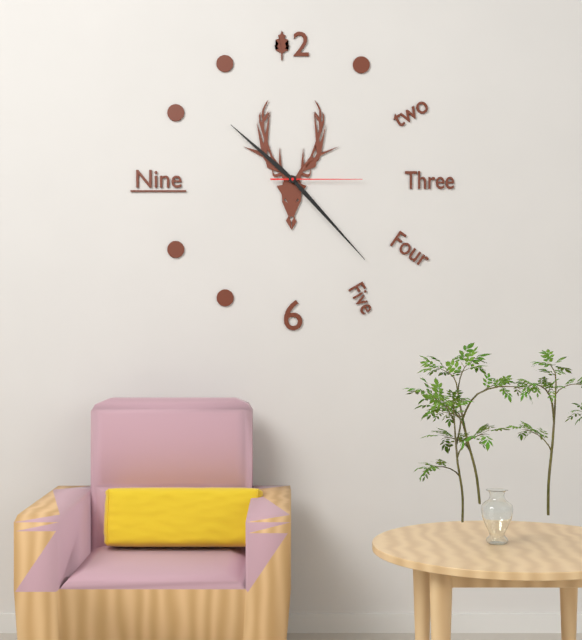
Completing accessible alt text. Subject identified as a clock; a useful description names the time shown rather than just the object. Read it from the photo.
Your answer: 10:23:15
